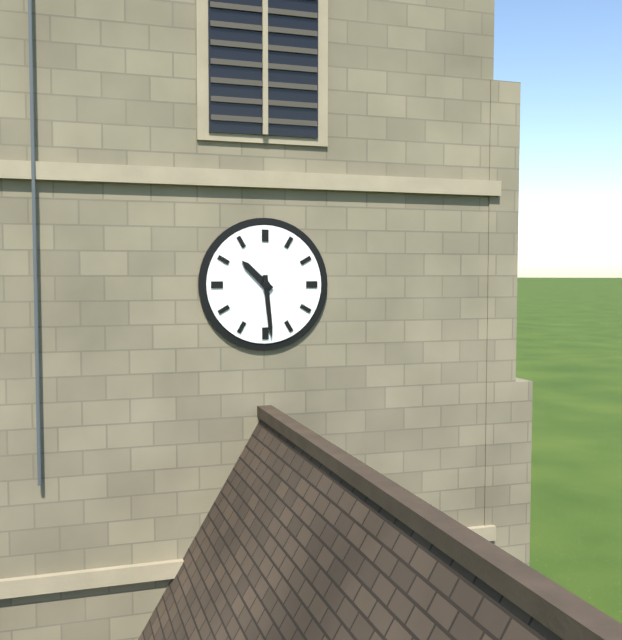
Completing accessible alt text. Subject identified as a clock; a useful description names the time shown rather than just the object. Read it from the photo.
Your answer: 10:29
